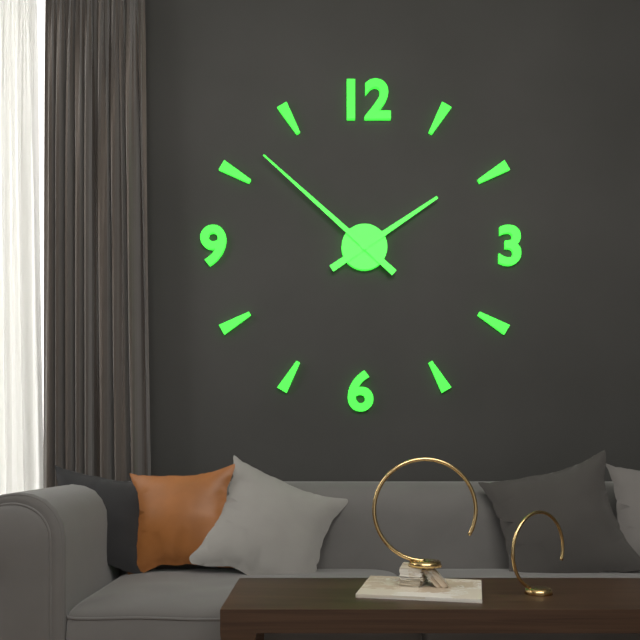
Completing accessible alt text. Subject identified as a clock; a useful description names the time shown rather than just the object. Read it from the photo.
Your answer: 1:52
